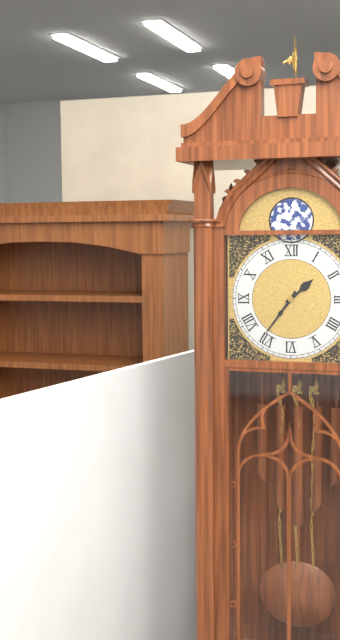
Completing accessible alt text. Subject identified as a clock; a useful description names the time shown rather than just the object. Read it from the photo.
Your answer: 1:36
